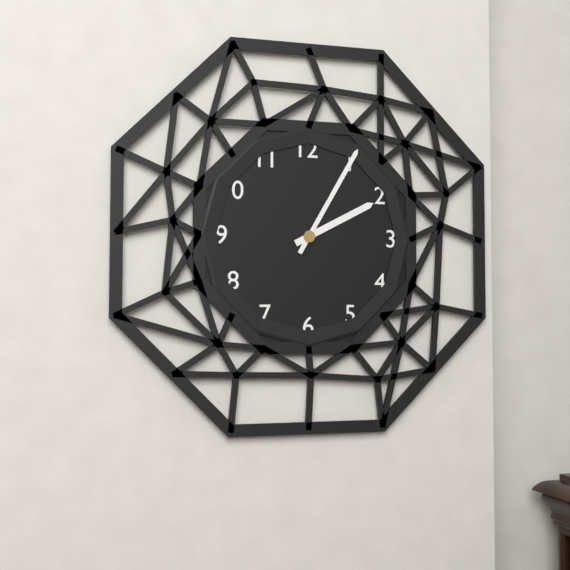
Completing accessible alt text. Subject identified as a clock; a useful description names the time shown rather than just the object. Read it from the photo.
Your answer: 2:05
